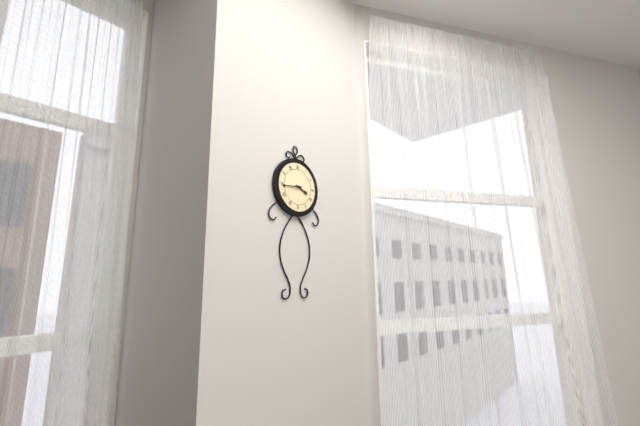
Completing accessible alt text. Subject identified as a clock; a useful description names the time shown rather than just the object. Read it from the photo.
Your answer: 3:44
